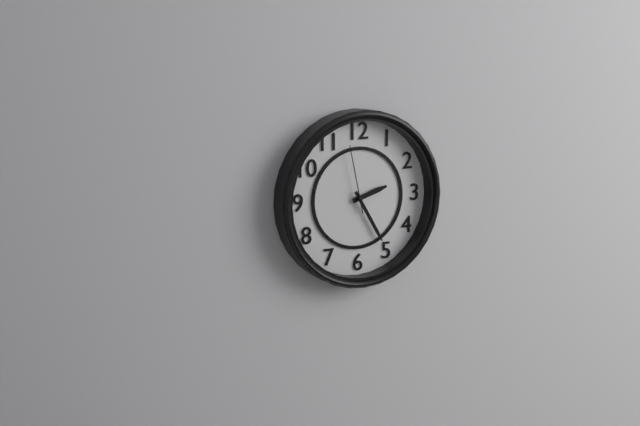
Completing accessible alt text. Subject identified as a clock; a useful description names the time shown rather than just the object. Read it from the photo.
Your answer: 2:25:58
